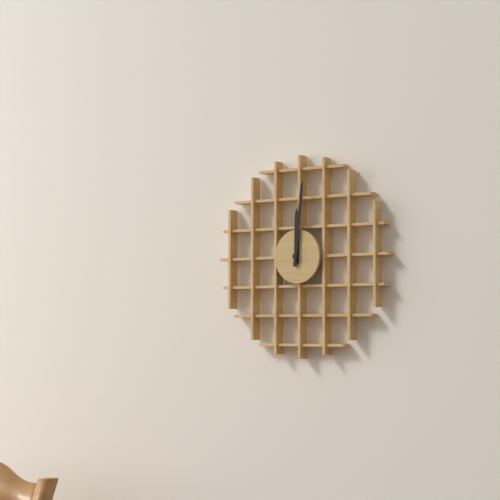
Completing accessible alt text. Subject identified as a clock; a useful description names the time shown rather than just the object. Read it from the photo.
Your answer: 12:01
